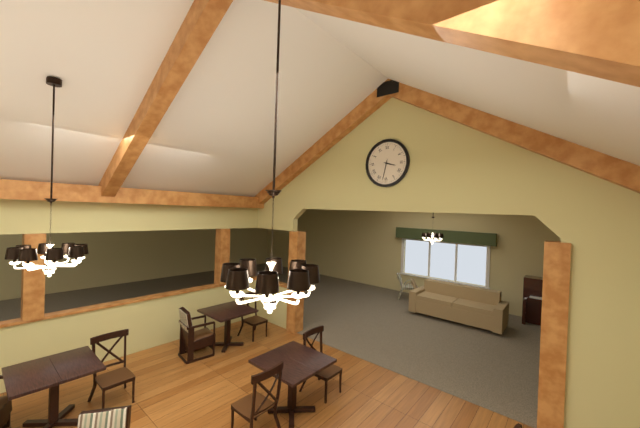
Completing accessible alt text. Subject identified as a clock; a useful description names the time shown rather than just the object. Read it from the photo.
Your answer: 3:32
